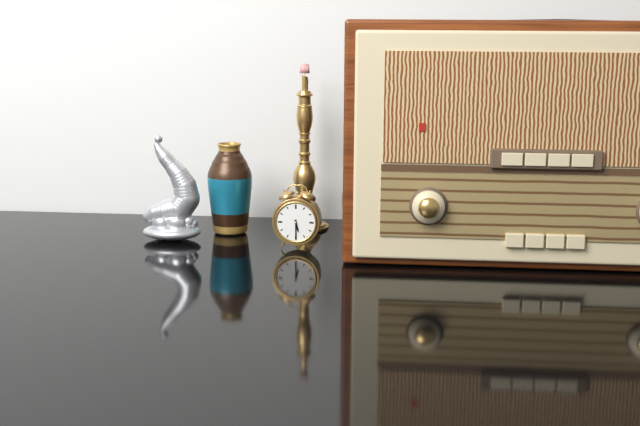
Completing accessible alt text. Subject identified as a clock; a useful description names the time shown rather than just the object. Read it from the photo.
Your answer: 5:30
